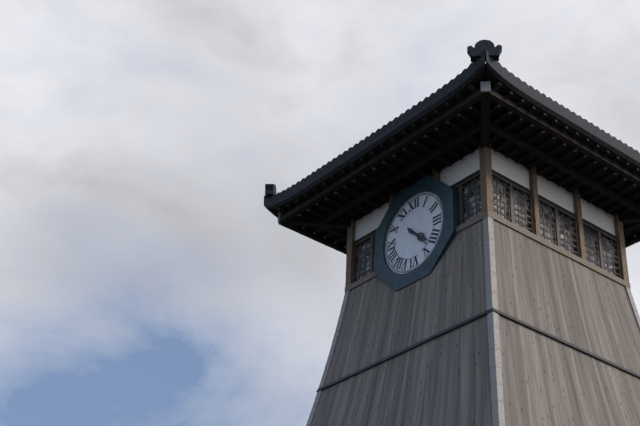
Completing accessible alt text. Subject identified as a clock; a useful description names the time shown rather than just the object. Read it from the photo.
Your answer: 4:23
